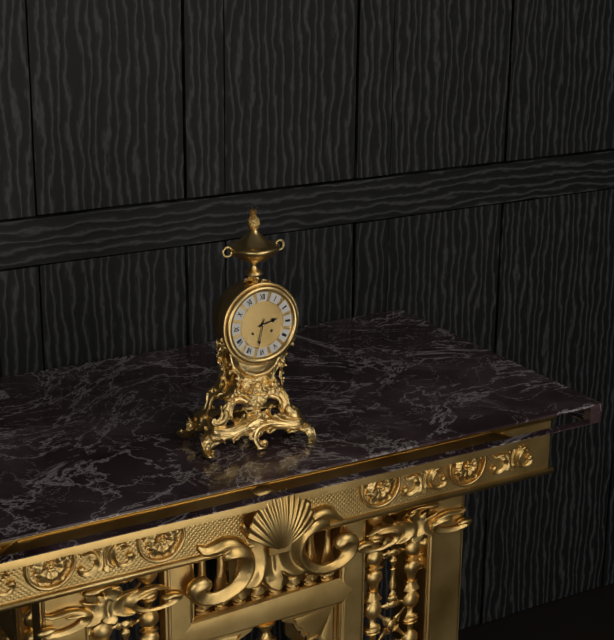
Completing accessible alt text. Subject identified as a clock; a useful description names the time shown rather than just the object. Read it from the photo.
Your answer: 2:32
